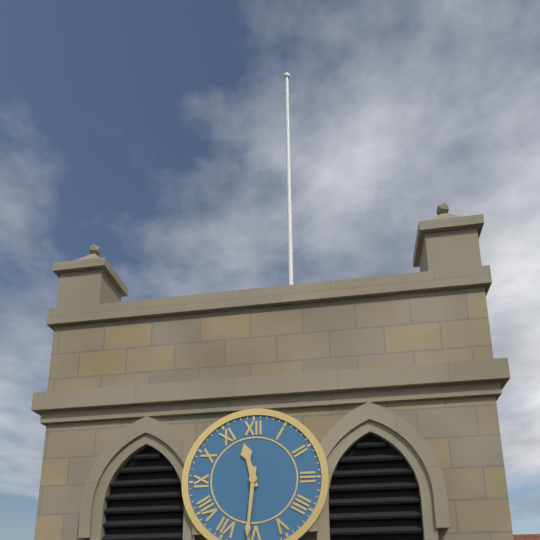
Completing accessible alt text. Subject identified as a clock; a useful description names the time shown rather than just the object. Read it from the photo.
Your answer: 11:31
